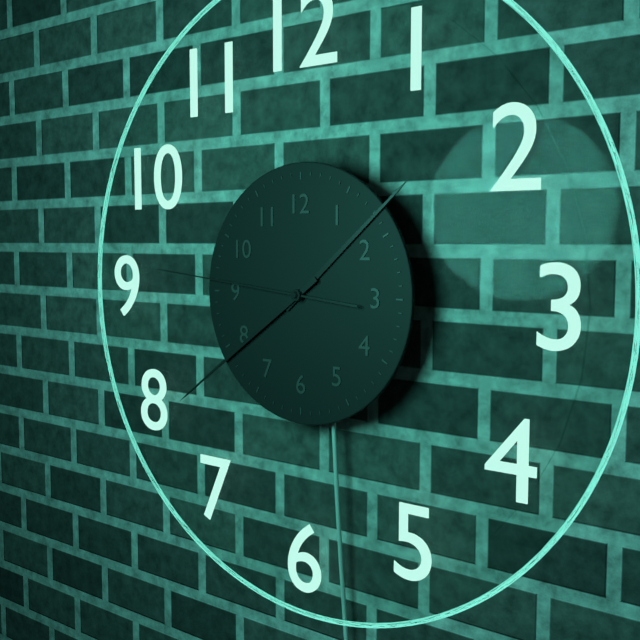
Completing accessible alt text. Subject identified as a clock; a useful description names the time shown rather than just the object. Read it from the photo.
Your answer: 1:39:46
